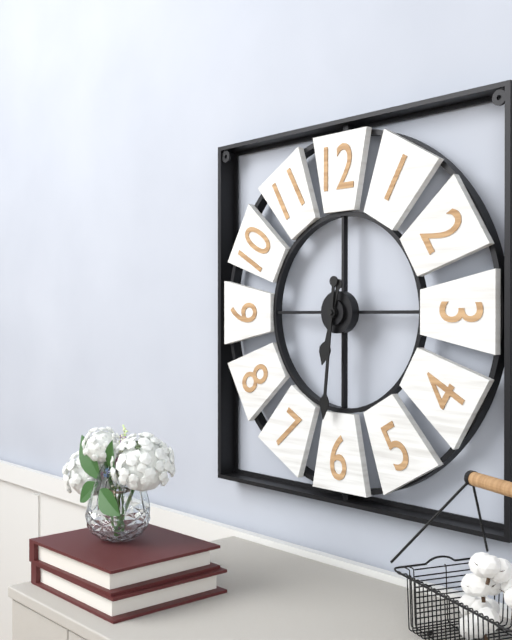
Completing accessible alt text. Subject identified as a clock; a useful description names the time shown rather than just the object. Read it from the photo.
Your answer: 6:31
